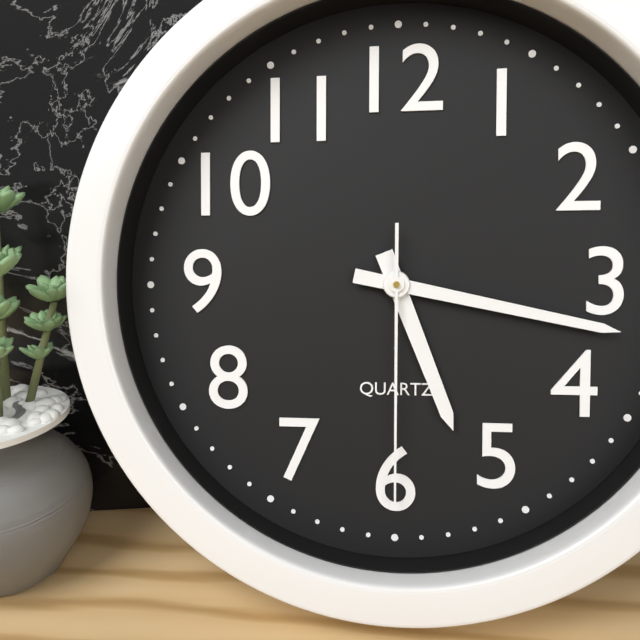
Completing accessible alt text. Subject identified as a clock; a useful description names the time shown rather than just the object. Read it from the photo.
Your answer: 5:17:30
